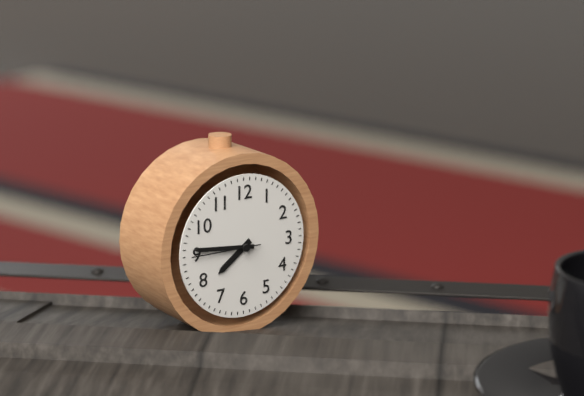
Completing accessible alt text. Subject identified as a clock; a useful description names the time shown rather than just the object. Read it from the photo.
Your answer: 7:46:45
